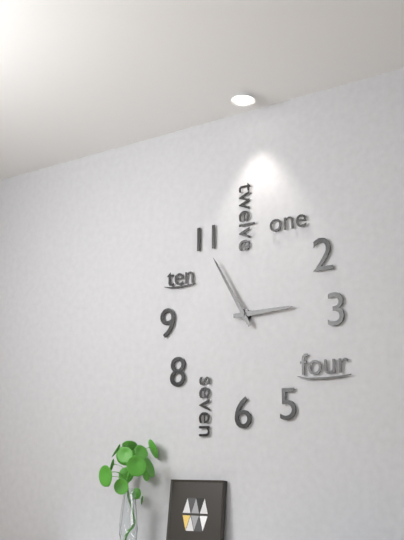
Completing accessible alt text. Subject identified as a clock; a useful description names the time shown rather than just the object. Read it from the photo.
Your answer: 2:55
